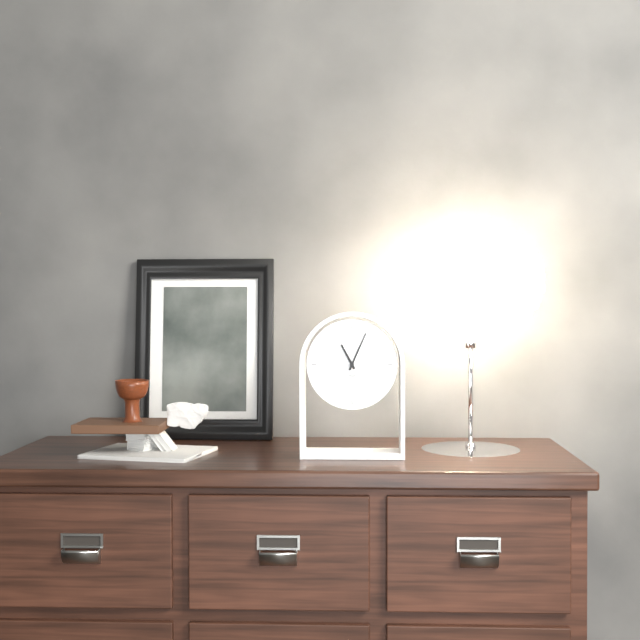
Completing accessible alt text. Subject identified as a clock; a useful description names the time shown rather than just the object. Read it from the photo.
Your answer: 11:04
